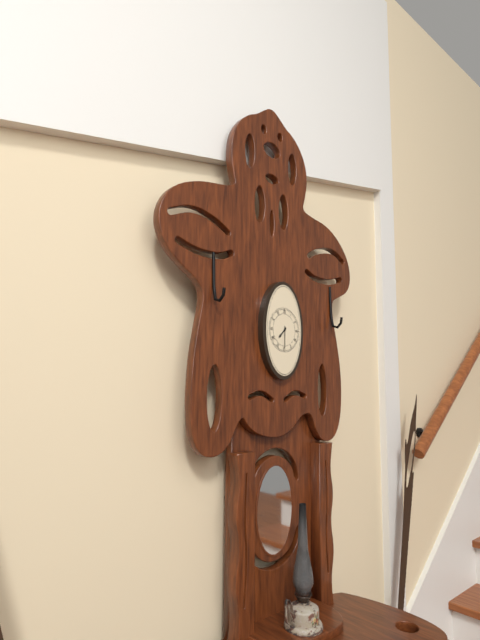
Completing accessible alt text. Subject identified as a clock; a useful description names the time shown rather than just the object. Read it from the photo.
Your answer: 7:30
